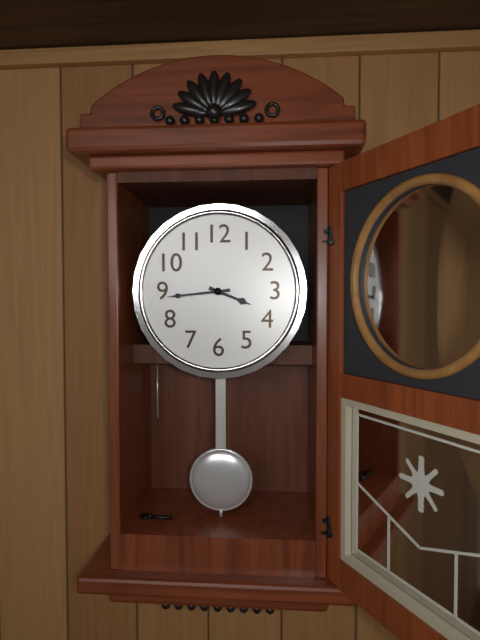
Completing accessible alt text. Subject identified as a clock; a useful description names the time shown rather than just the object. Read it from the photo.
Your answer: 3:44
